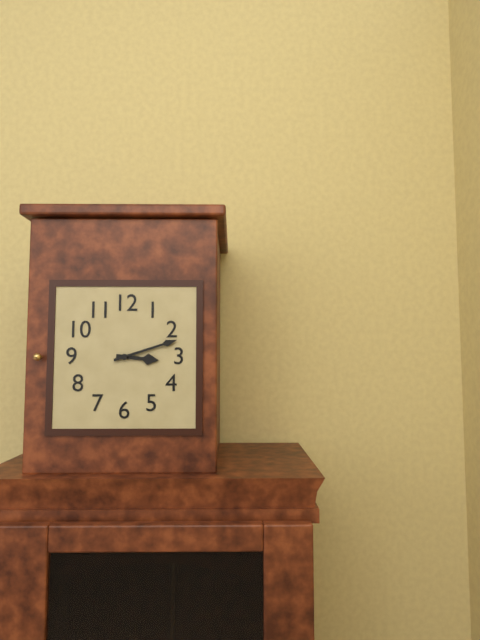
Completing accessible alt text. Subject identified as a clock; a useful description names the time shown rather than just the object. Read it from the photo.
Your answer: 3:12
